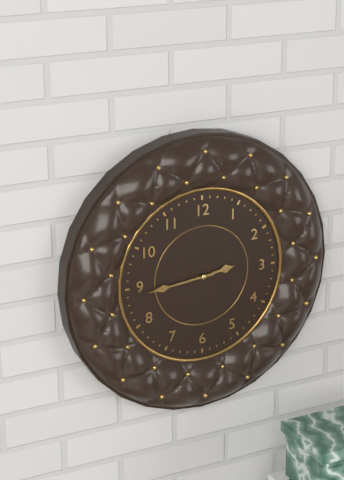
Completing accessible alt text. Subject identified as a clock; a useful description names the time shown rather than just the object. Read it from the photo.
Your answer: 2:44
